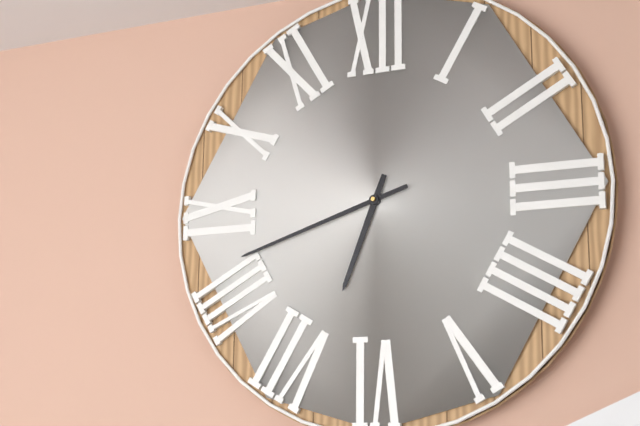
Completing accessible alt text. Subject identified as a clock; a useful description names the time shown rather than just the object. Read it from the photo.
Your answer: 6:42
